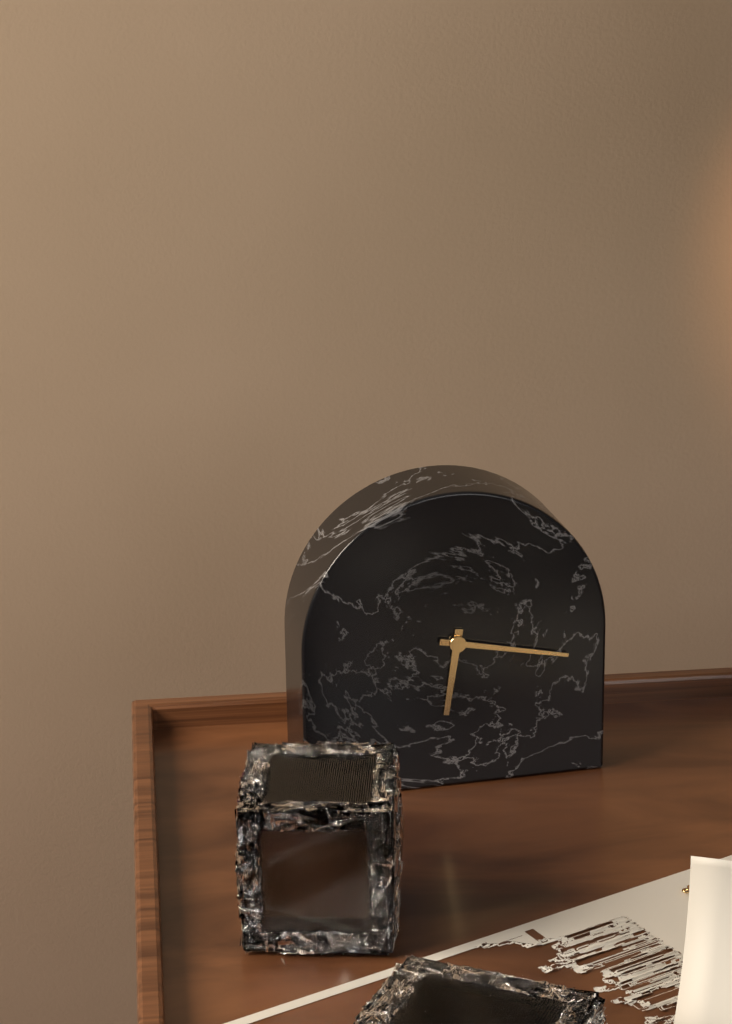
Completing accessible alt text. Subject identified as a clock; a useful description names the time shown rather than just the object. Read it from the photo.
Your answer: 6:17
